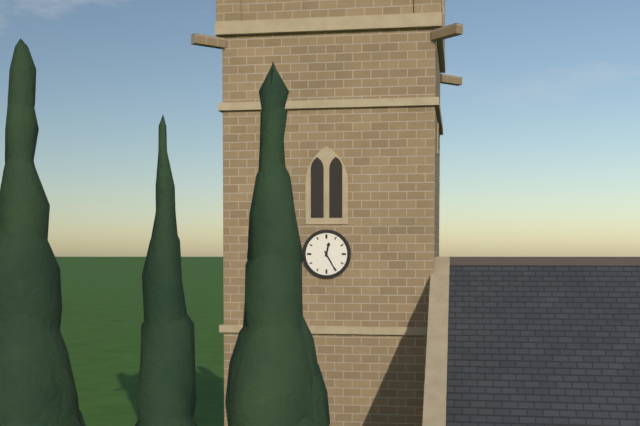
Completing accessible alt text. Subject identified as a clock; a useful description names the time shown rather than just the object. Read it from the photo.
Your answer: 12:25
